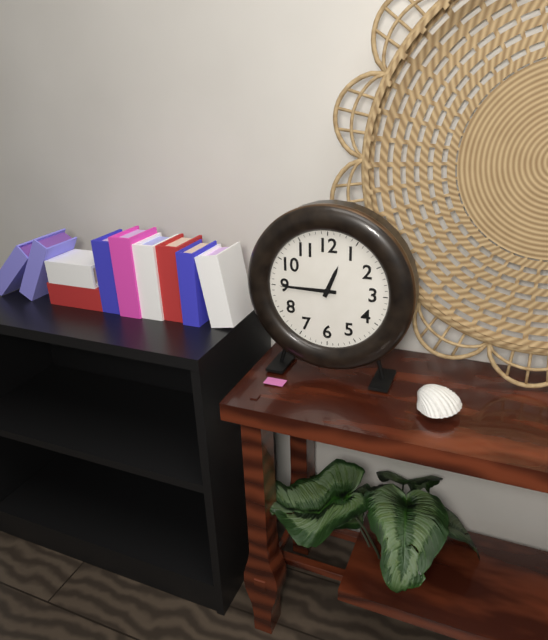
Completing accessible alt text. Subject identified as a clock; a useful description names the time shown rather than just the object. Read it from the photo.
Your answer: 12:45
